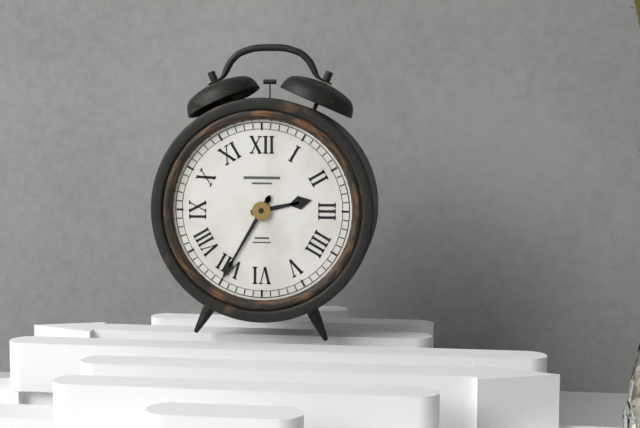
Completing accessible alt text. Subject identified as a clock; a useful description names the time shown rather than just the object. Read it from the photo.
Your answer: 2:35
